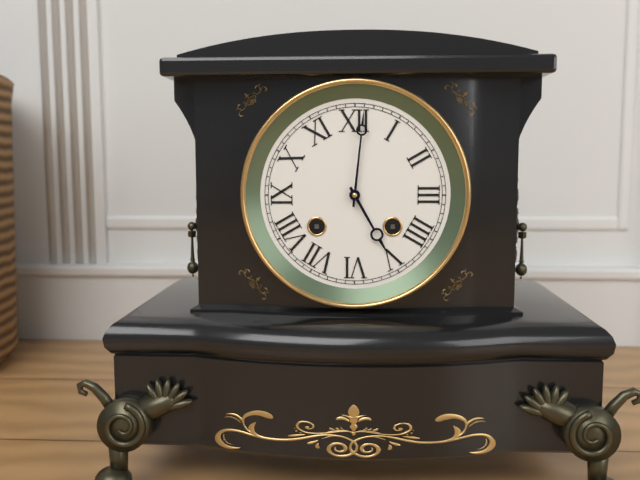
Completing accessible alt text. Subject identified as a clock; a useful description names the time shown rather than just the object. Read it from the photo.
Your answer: 5:01
